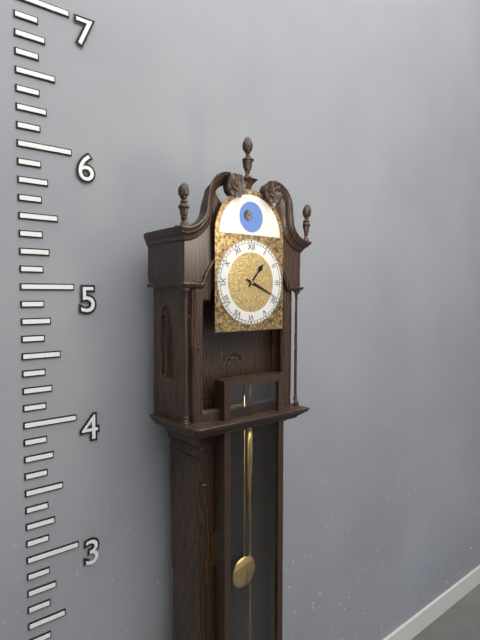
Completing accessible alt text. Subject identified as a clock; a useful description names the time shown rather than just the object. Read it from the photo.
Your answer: 1:19
